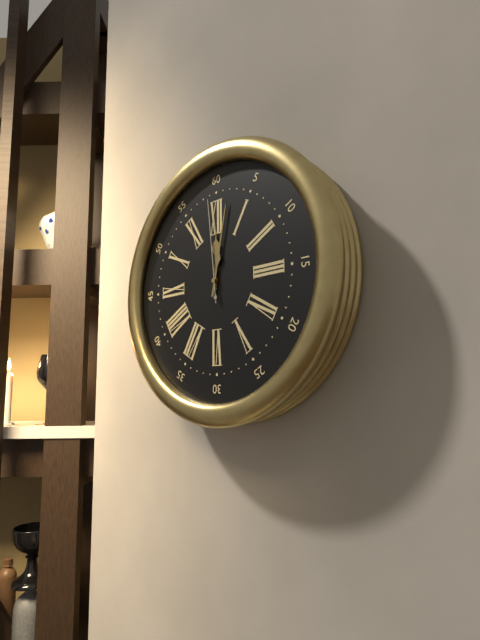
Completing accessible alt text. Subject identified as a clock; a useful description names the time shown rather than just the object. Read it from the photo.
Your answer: 12:02:59
